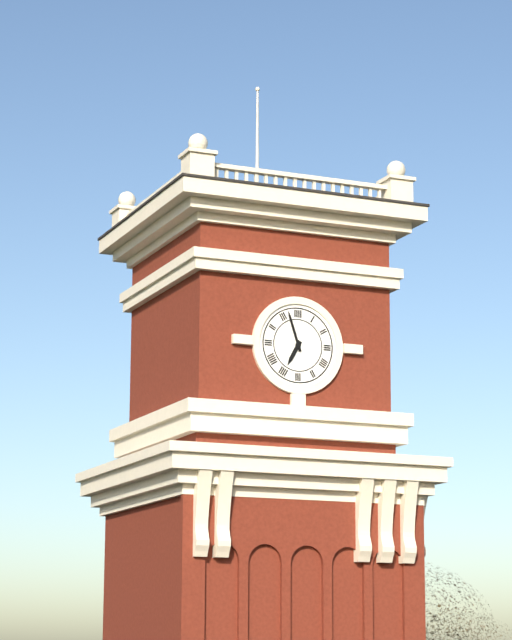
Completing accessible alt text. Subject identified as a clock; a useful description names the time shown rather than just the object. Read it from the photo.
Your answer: 6:57
